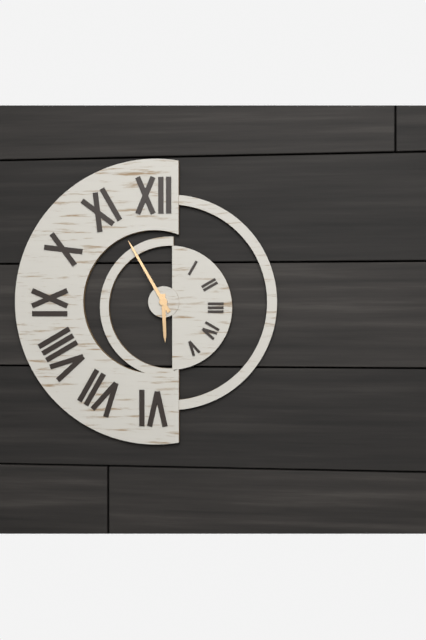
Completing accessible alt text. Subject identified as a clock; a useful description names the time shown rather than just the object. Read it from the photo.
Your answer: 5:55
